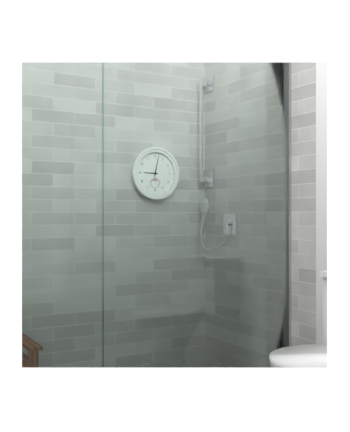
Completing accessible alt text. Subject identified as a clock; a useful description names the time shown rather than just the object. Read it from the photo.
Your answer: 9:02
